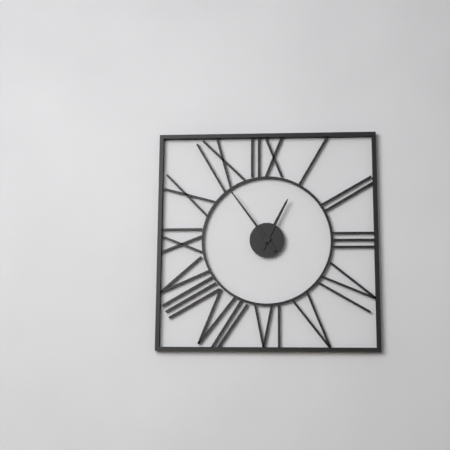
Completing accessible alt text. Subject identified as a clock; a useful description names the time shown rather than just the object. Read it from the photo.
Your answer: 12:54
